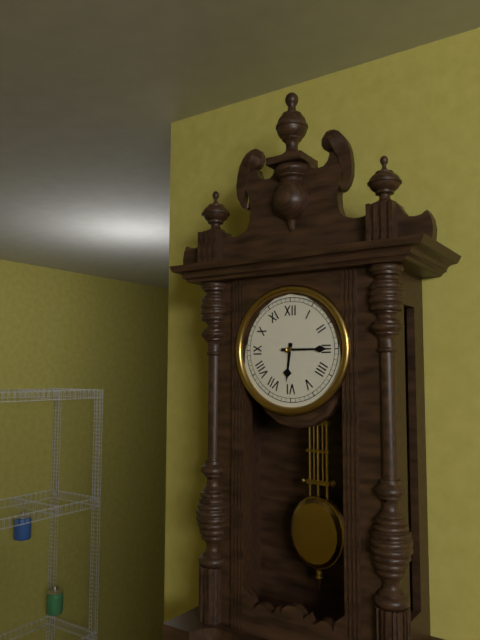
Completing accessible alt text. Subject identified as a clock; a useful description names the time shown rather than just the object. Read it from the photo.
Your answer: 6:15
